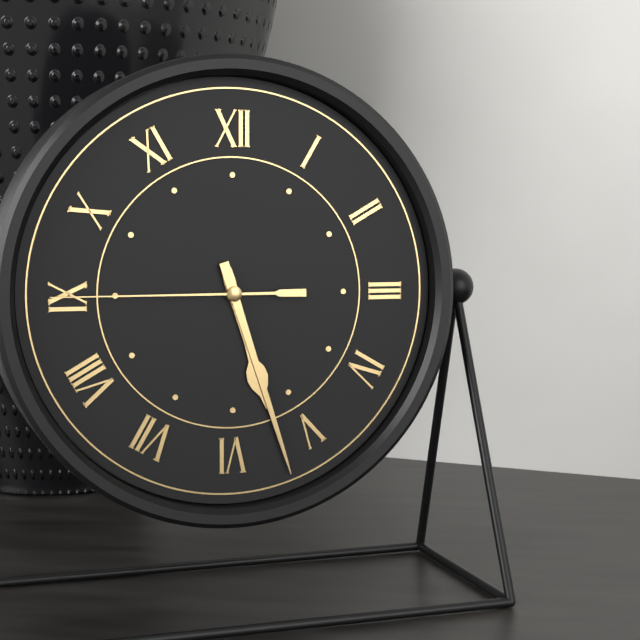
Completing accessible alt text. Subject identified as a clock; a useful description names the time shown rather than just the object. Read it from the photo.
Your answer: 5:27:45
